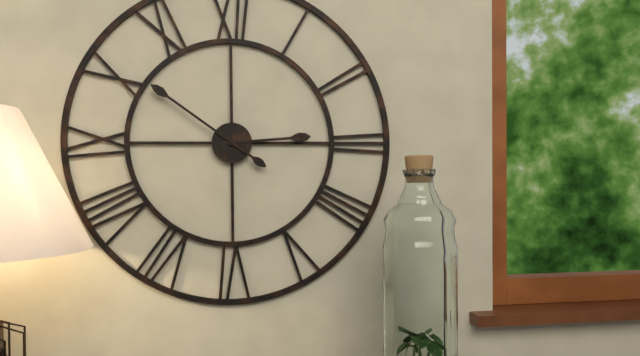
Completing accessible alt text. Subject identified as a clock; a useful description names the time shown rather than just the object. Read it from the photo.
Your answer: 2:51
